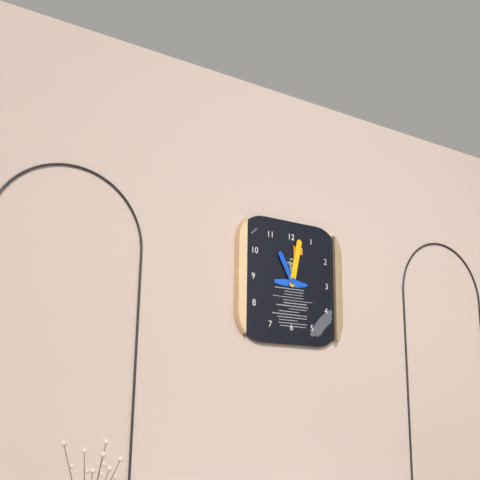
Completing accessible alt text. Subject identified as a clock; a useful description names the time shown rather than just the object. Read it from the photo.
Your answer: 11:02
